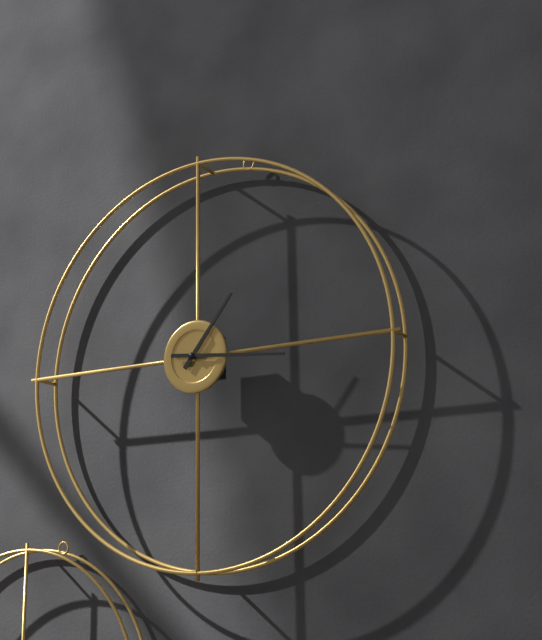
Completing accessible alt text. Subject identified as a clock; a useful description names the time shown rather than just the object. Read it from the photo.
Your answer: 1:16
